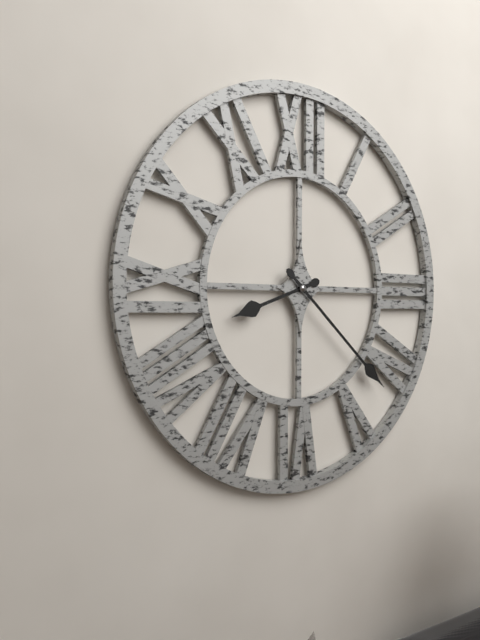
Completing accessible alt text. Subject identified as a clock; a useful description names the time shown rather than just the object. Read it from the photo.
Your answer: 8:22
